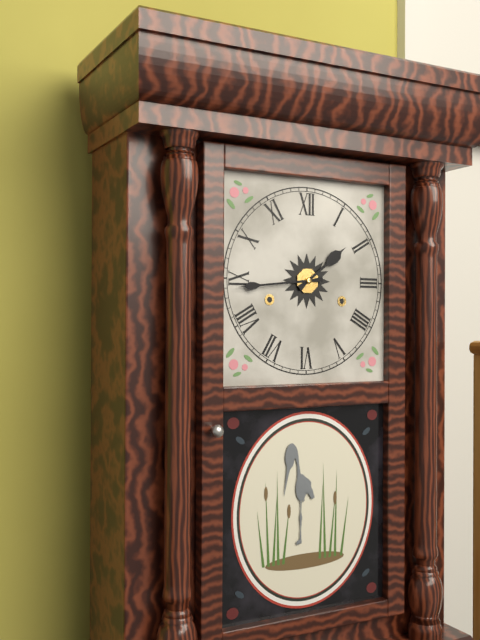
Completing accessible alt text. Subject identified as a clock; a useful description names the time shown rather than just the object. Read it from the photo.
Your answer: 1:44
